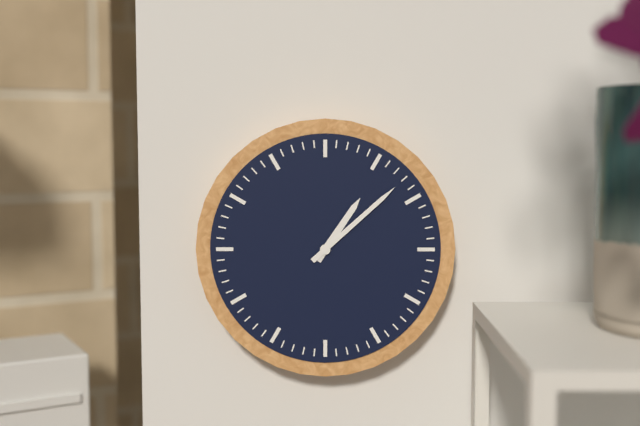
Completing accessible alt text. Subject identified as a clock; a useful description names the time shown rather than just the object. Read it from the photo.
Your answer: 1:08
